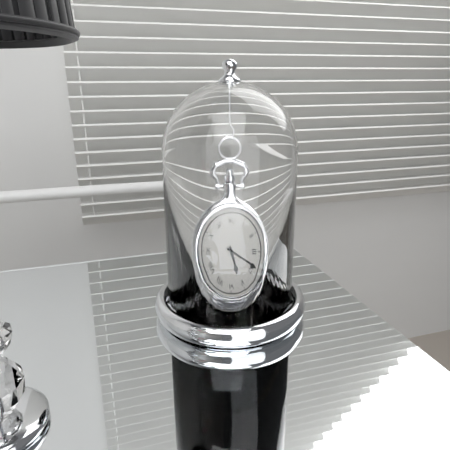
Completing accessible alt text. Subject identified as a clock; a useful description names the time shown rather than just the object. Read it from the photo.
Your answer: 5:19
